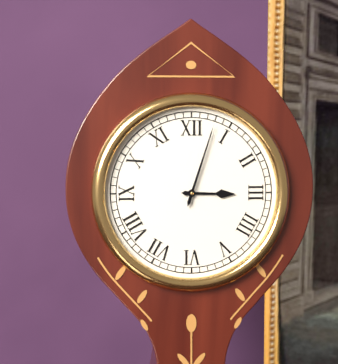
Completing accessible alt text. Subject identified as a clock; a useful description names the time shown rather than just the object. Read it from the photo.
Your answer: 3:03
